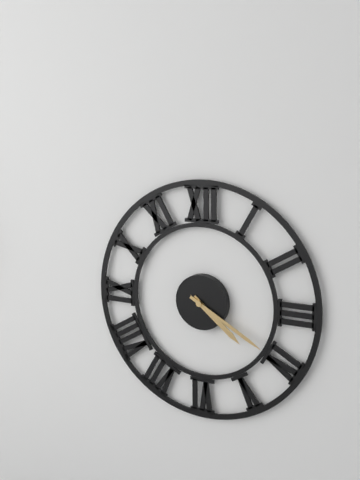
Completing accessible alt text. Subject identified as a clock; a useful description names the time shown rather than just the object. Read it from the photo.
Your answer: 4:20
